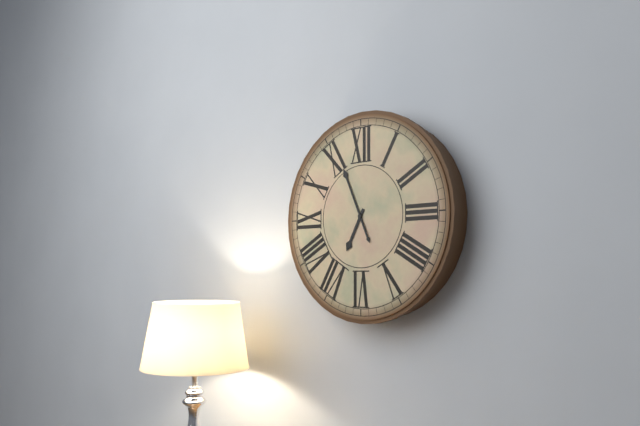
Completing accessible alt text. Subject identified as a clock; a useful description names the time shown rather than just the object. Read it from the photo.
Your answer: 6:56
